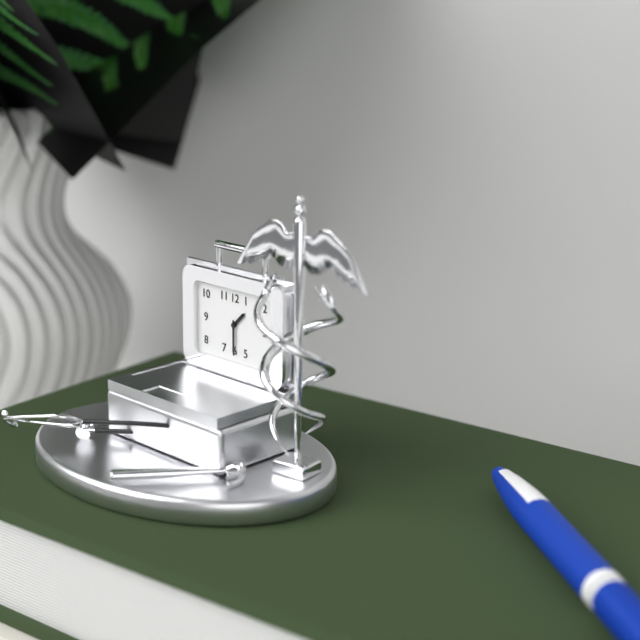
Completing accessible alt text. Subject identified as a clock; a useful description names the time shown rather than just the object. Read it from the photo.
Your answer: 1:30
